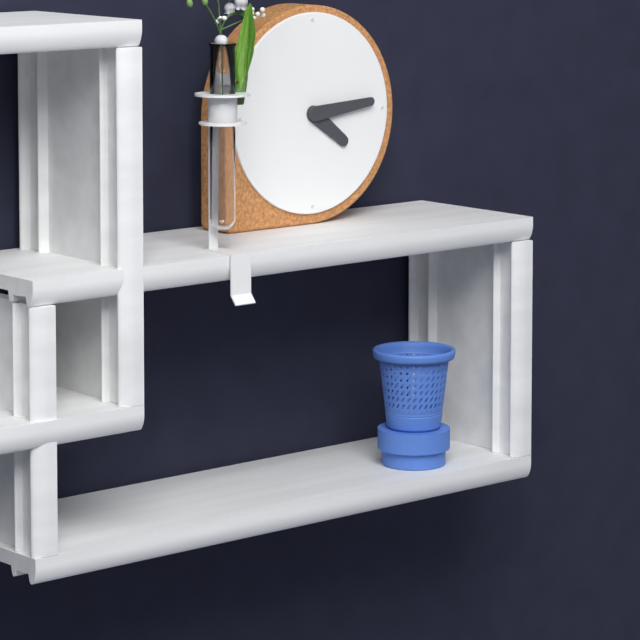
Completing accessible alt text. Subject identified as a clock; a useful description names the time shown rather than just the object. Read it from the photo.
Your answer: 4:14
